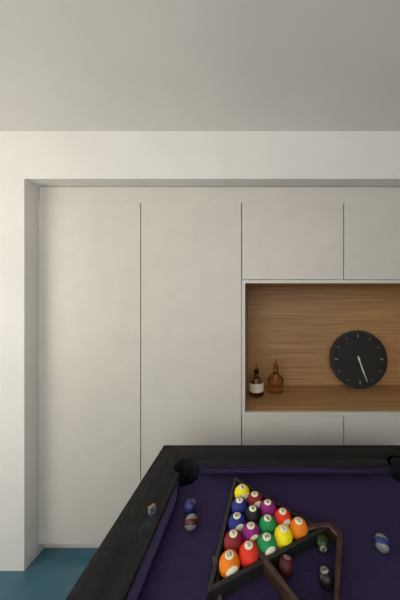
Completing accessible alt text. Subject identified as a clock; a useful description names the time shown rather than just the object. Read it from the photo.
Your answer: 5:27
